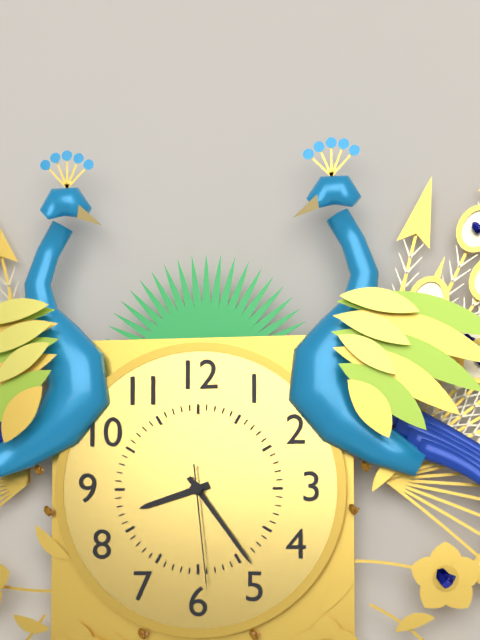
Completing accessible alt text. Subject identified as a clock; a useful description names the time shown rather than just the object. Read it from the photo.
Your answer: 8:24:29
